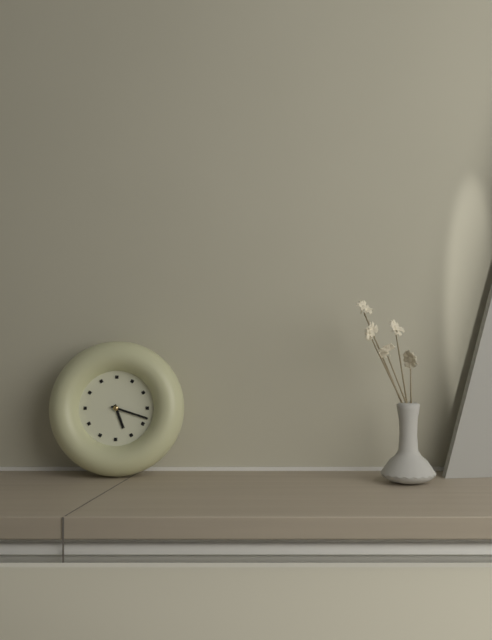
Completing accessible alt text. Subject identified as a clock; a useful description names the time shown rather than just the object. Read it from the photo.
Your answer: 5:18
